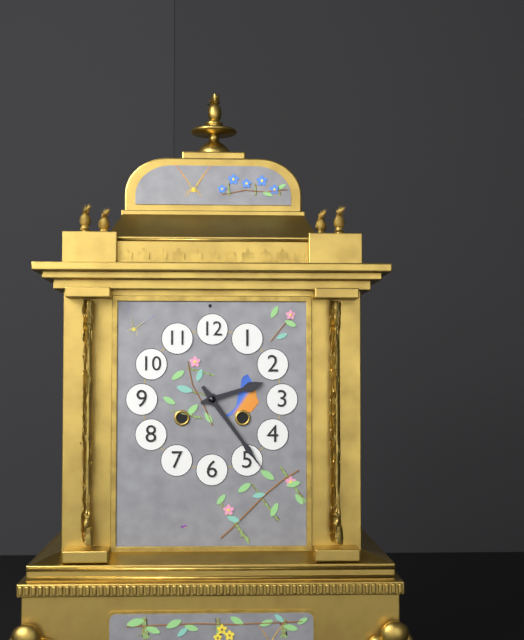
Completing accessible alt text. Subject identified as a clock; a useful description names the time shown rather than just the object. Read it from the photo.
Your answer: 2:24
